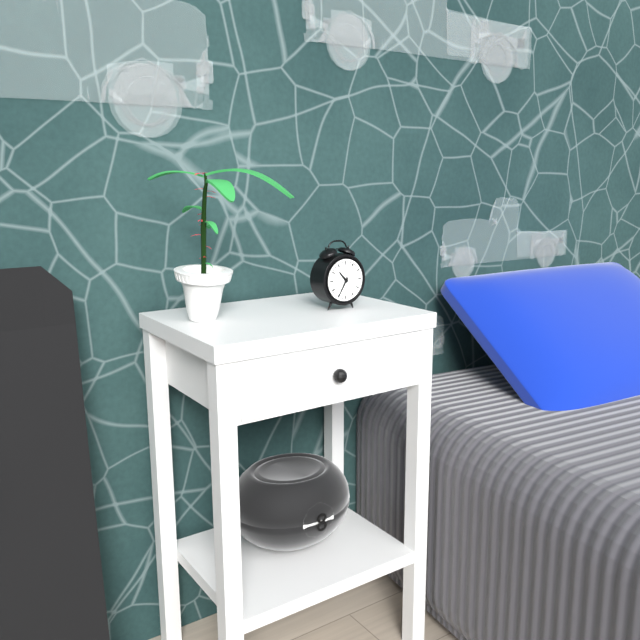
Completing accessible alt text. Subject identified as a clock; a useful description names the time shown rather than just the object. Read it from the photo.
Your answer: 10:35
